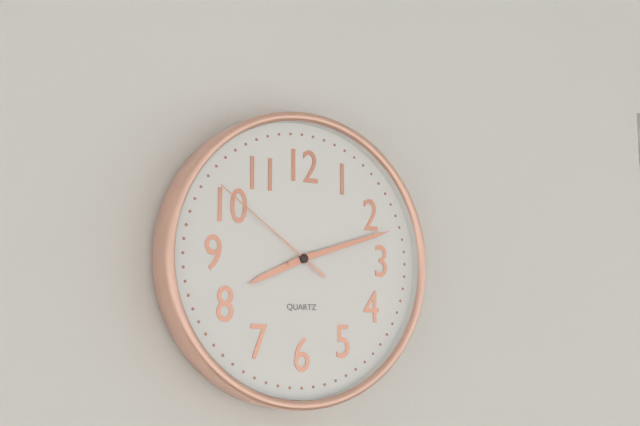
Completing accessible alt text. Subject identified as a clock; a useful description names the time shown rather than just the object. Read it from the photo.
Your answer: 8:12:51
